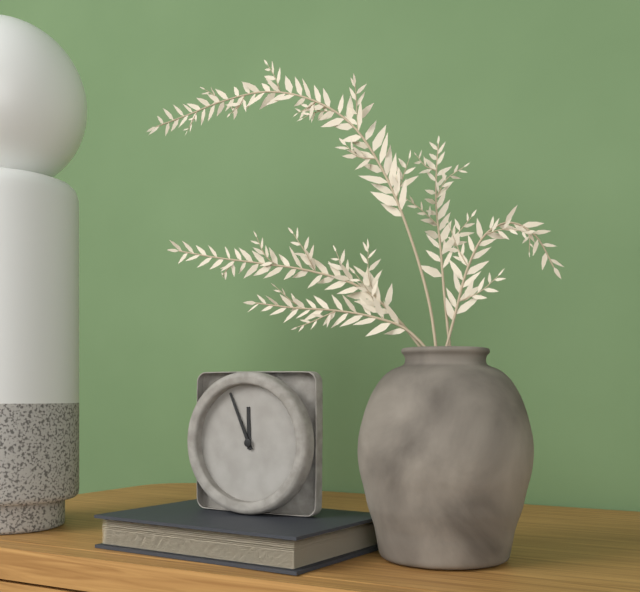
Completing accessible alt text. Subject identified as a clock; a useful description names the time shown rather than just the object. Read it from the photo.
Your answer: 11:56
